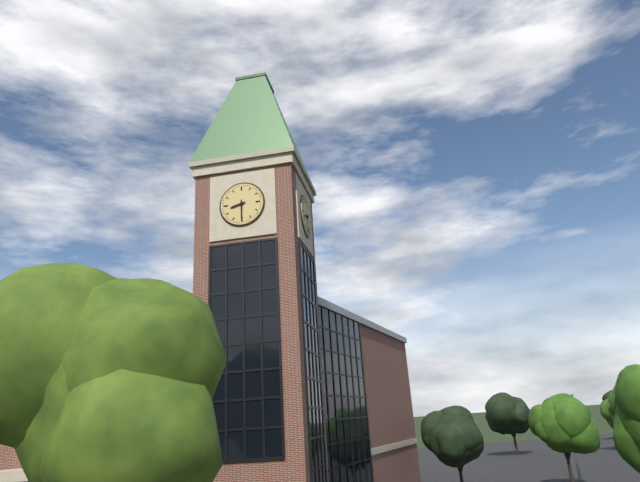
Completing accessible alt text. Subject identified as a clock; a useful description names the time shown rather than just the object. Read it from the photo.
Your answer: 8:30
